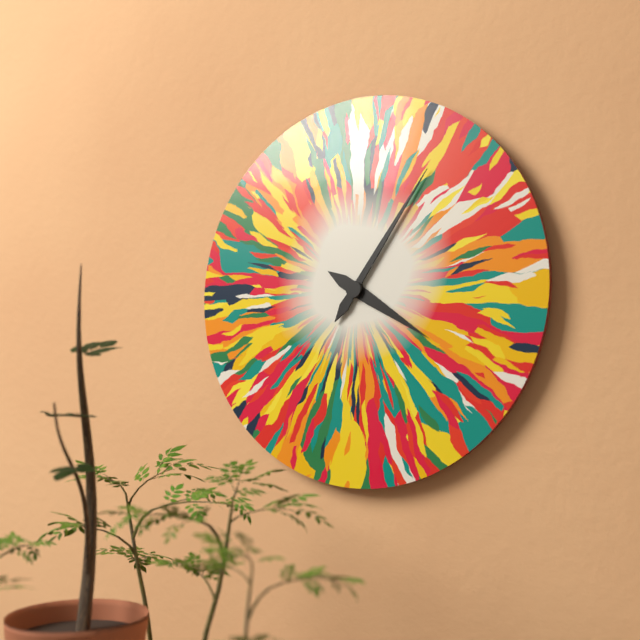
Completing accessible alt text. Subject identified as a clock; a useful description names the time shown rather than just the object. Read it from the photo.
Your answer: 4:06
